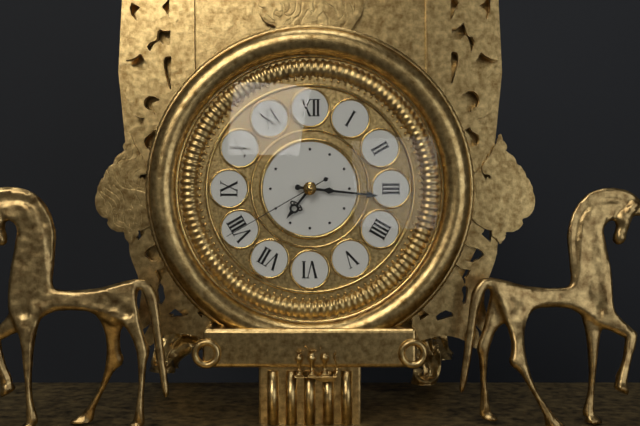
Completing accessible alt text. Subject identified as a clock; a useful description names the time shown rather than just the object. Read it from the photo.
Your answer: 7:16:40
